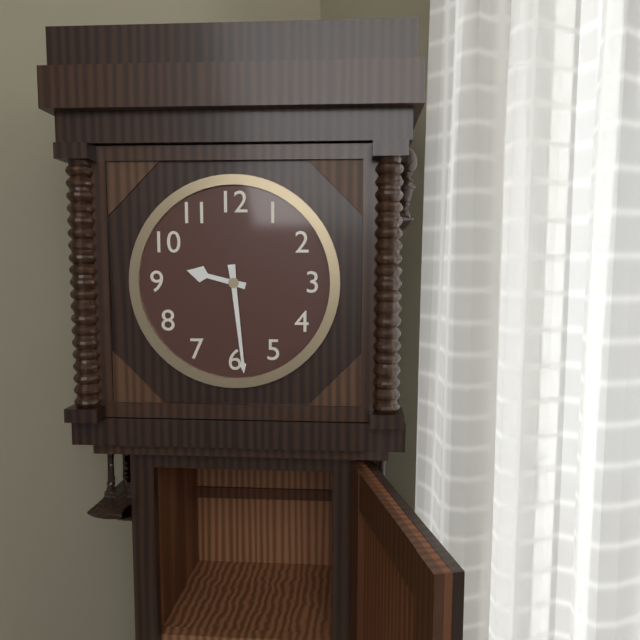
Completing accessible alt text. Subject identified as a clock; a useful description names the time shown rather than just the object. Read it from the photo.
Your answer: 9:29
